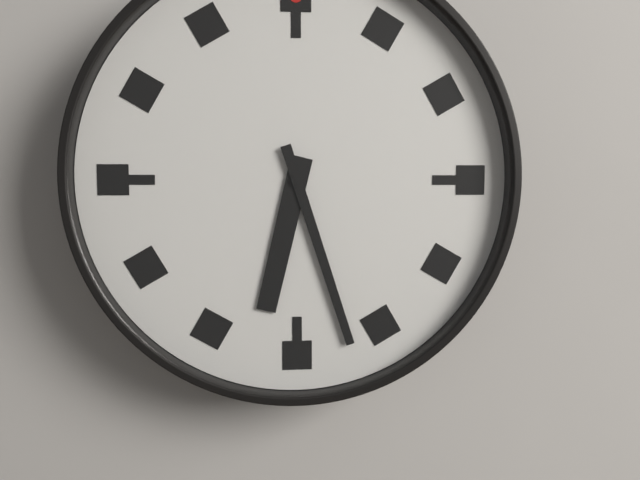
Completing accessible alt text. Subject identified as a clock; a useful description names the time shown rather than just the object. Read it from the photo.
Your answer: 6:27
